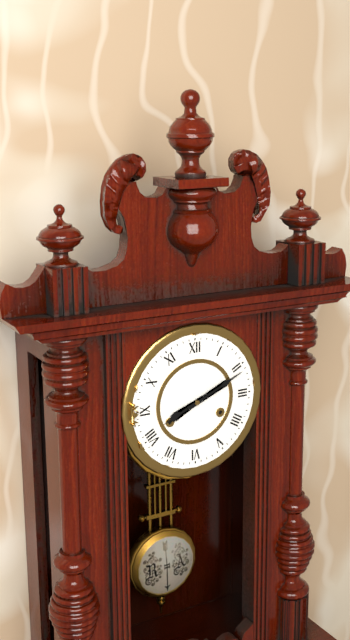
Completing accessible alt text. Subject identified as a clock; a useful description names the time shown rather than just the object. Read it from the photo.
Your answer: 8:11
